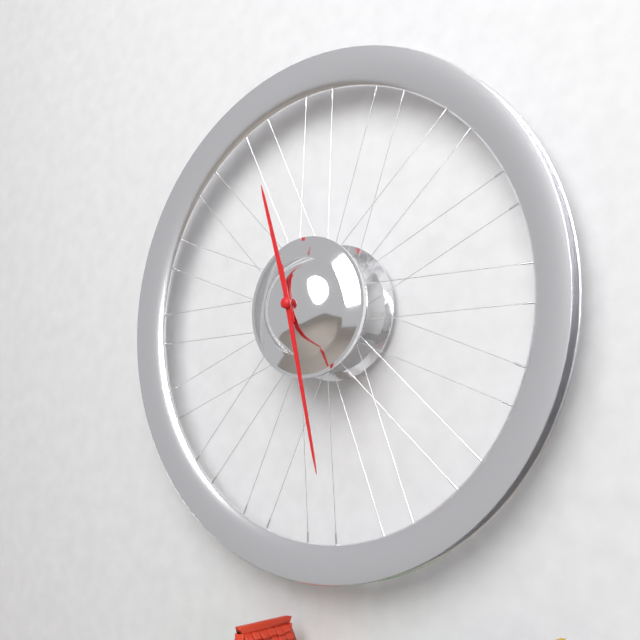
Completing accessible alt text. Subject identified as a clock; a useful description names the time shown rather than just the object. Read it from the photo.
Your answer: 11:28
